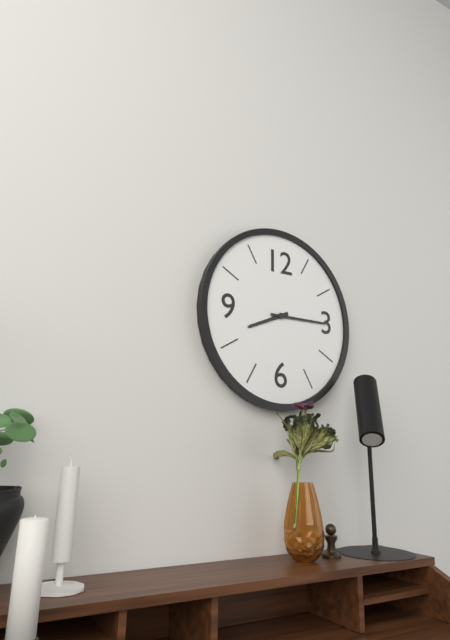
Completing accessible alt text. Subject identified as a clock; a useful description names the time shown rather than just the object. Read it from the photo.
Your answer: 8:15
